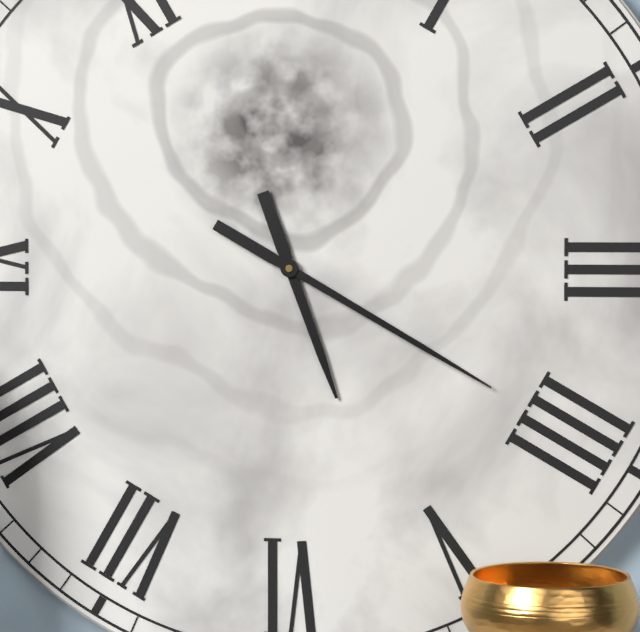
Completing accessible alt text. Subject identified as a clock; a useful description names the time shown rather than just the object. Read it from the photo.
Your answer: 5:20
